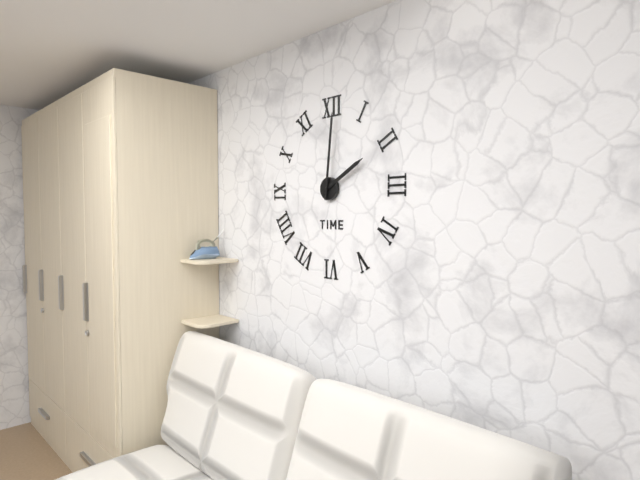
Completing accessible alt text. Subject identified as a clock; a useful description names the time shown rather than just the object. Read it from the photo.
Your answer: 2:01
